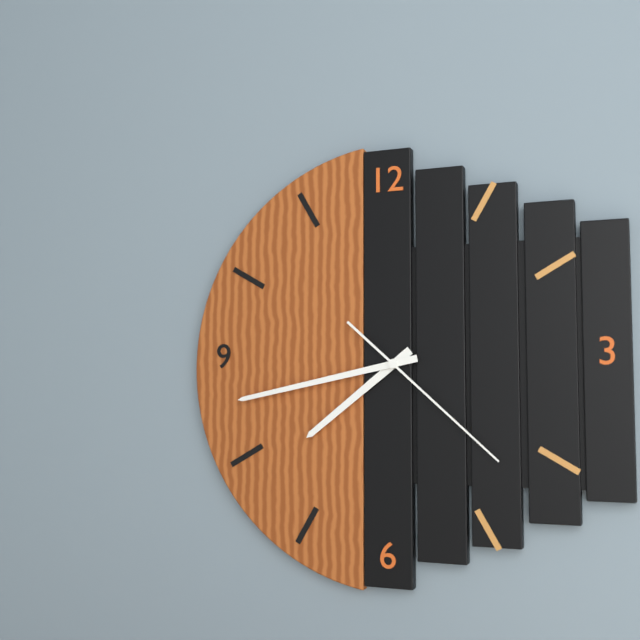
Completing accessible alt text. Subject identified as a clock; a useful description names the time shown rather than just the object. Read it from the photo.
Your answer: 7:43:22
